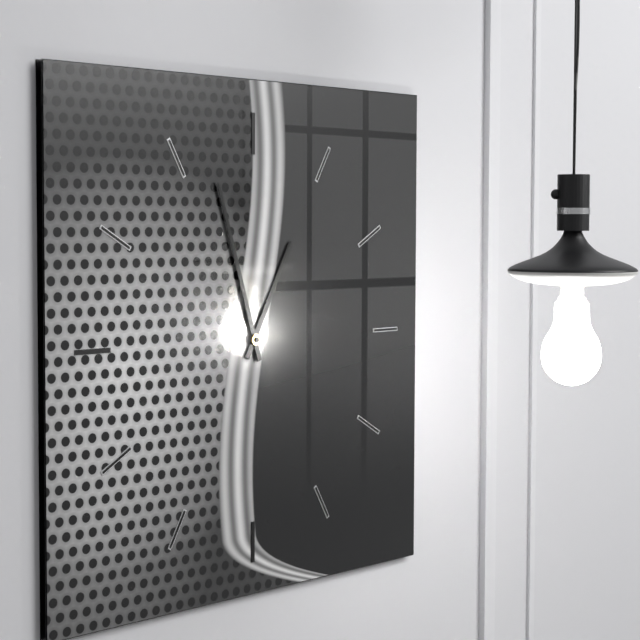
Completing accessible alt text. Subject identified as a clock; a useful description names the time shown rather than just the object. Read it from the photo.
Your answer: 12:57
